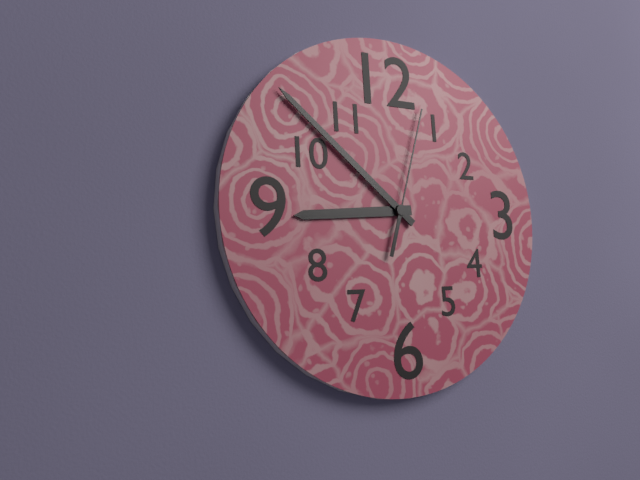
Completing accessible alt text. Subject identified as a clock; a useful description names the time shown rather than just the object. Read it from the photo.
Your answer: 8:52:03
